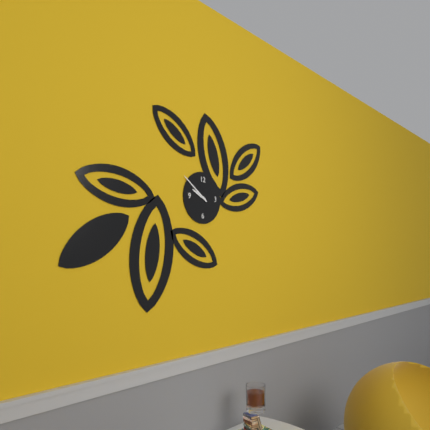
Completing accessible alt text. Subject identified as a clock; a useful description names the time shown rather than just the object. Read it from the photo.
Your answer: 9:51
